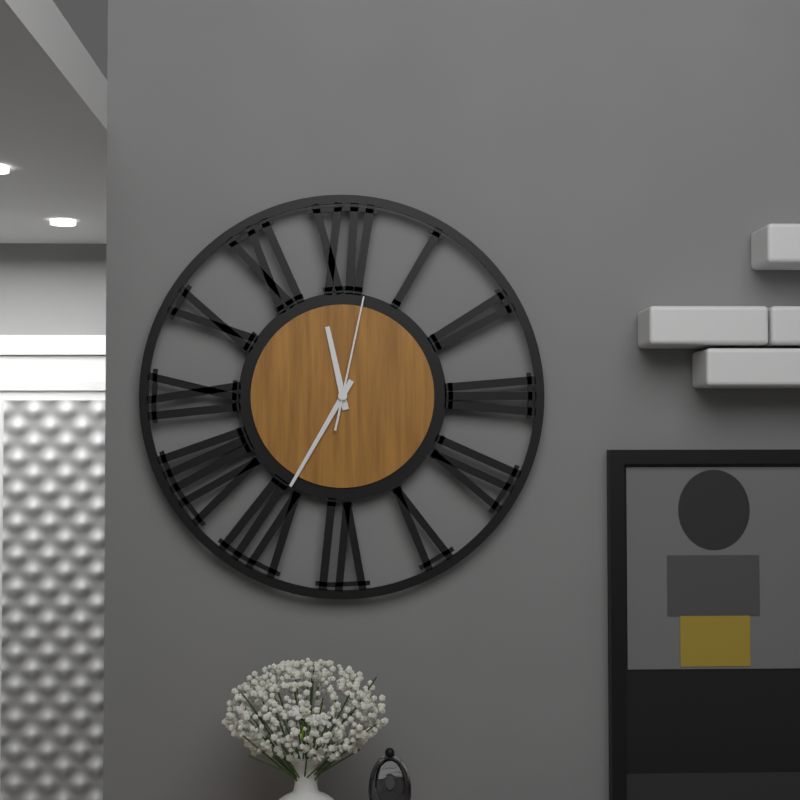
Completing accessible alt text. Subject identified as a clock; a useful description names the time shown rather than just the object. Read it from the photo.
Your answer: 11:35:02
